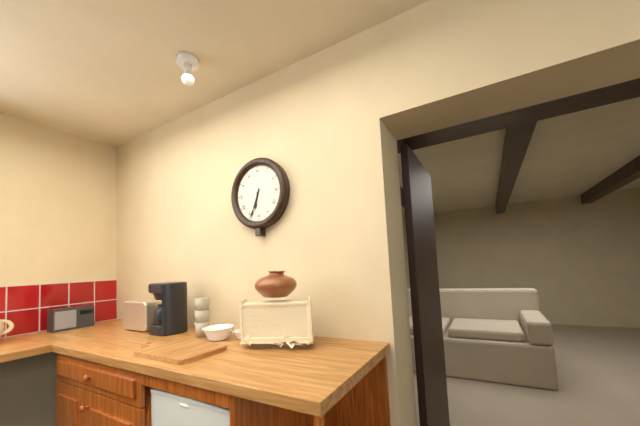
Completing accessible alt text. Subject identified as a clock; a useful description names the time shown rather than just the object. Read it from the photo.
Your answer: 6:34
